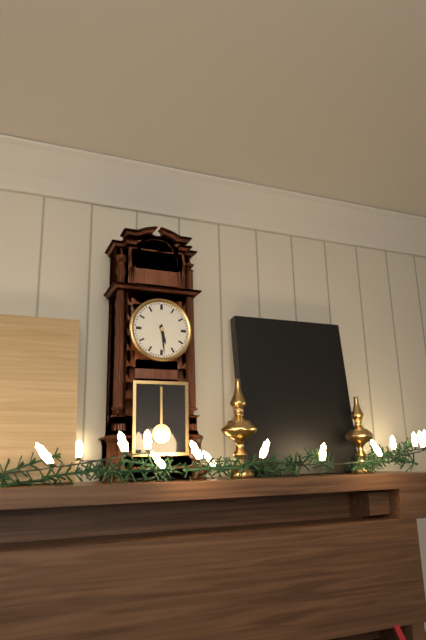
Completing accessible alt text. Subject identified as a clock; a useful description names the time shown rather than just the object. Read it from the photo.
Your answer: 5:29
